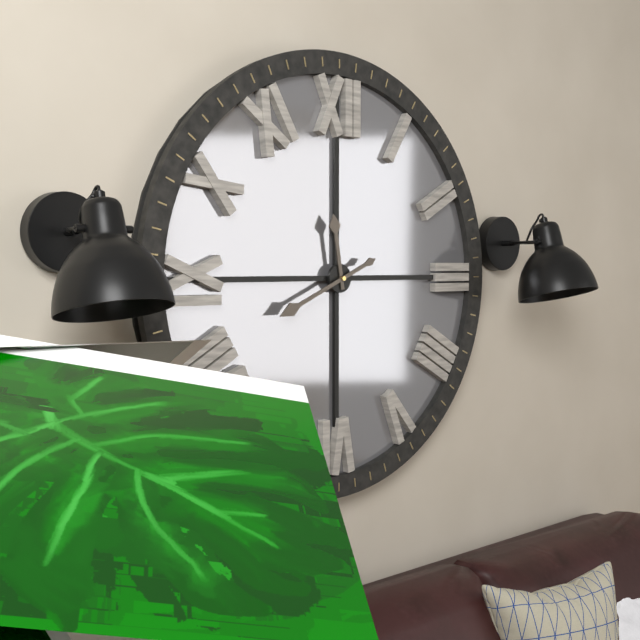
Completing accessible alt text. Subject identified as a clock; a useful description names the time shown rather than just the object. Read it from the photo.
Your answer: 11:41
